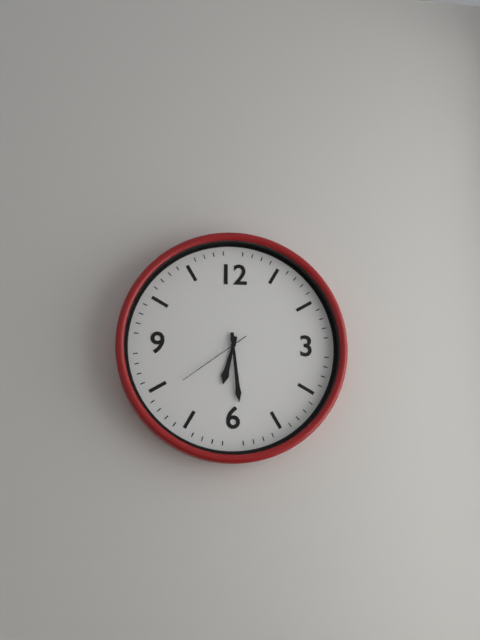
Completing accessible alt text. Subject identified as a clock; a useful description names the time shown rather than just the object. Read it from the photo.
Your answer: 6:29:39
